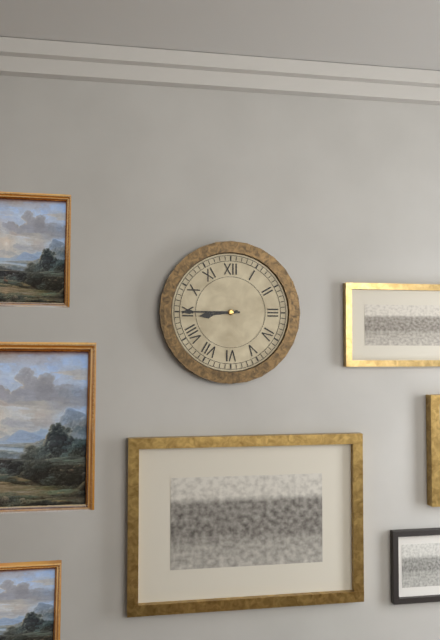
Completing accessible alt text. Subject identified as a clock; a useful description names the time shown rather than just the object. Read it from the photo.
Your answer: 8:45
